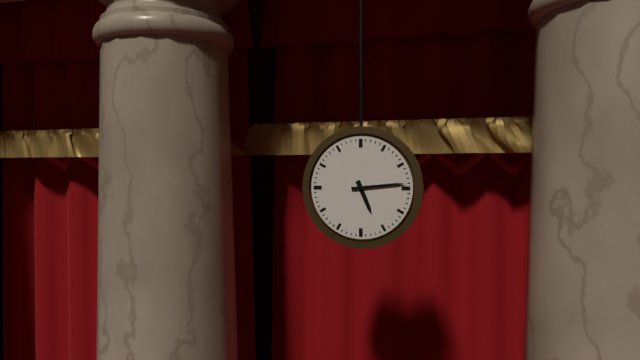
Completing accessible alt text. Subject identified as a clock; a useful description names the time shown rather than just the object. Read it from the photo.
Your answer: 5:14
